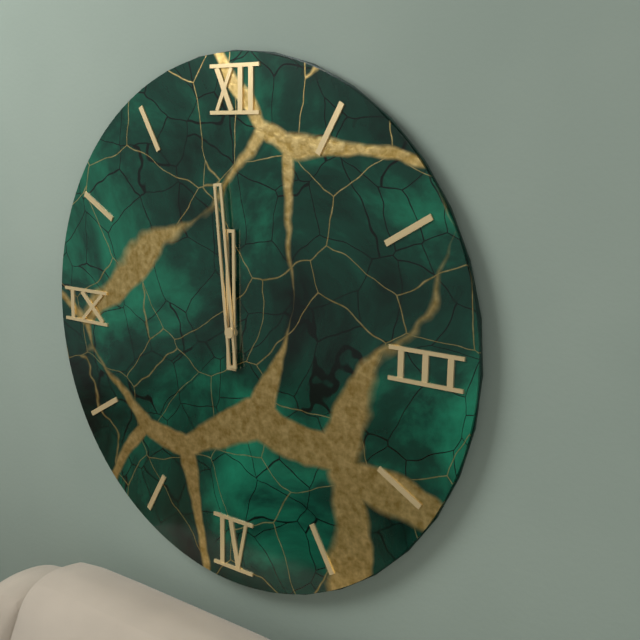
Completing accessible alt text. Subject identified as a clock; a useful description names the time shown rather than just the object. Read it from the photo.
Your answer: 11:59
